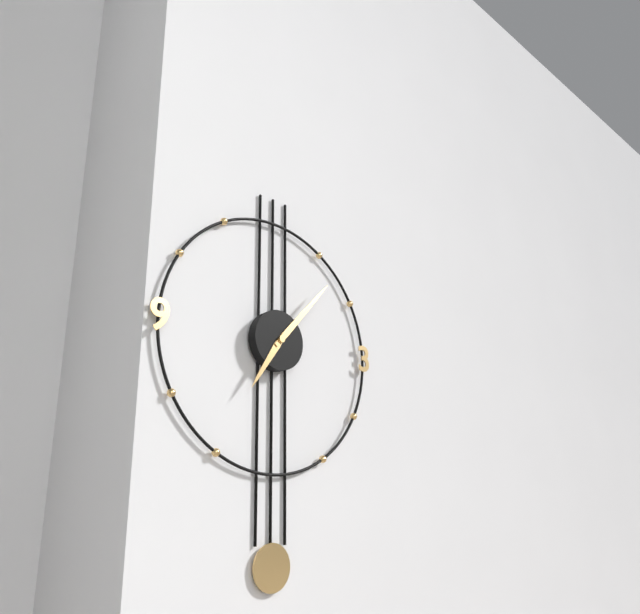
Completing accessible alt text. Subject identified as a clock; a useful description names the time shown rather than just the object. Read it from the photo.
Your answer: 7:07
